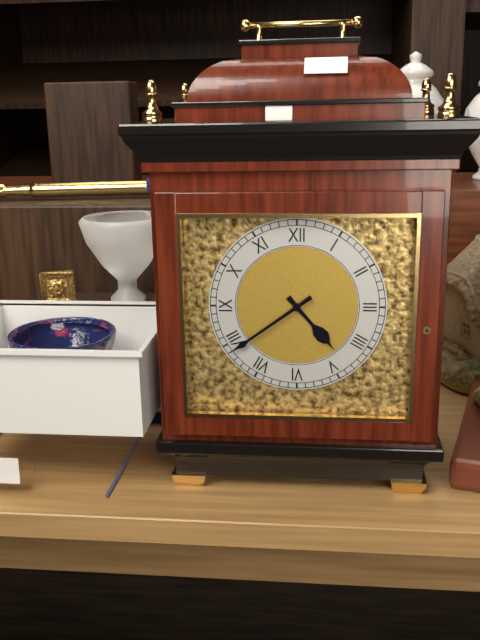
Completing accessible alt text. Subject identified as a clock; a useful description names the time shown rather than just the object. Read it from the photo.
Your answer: 4:39
